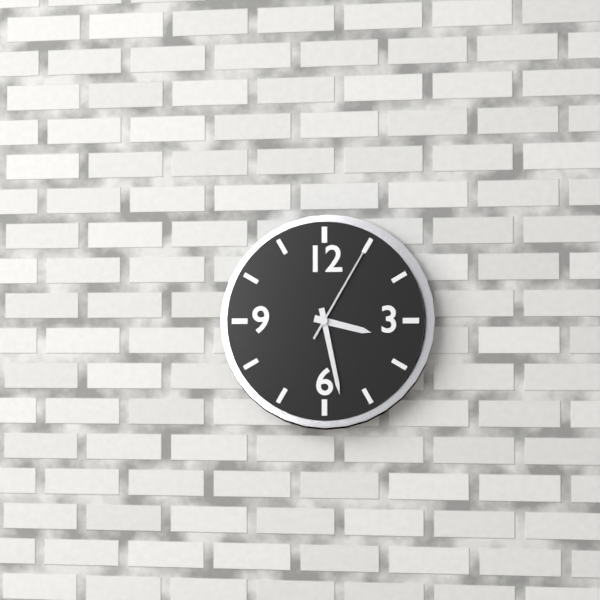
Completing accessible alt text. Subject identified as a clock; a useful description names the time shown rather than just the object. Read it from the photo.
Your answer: 3:28:05
